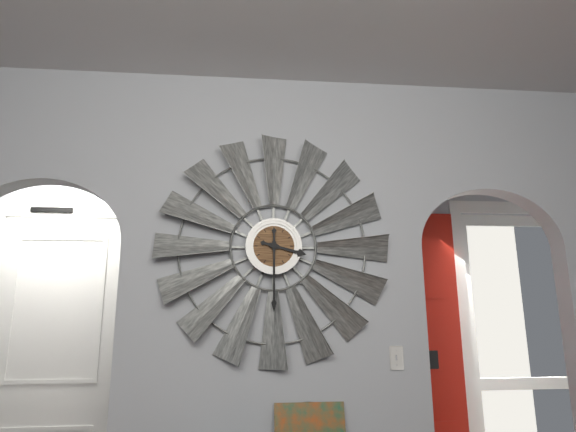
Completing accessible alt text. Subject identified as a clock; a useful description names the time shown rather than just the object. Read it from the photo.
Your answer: 3:30
